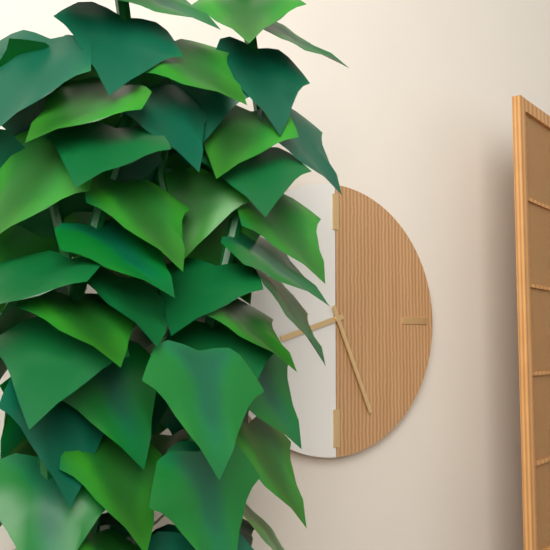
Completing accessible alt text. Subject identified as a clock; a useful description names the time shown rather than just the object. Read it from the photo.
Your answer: 8:26
